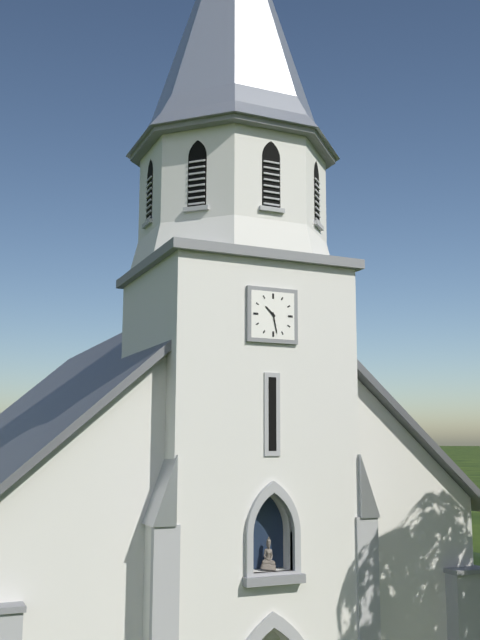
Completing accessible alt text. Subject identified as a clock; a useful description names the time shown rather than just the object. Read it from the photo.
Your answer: 10:28
